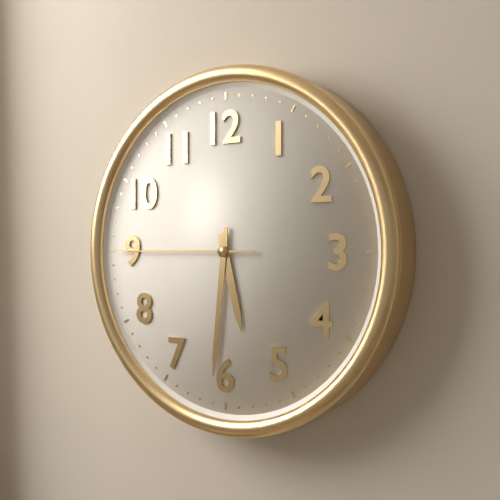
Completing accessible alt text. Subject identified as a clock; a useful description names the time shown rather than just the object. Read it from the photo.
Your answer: 5:31:45
